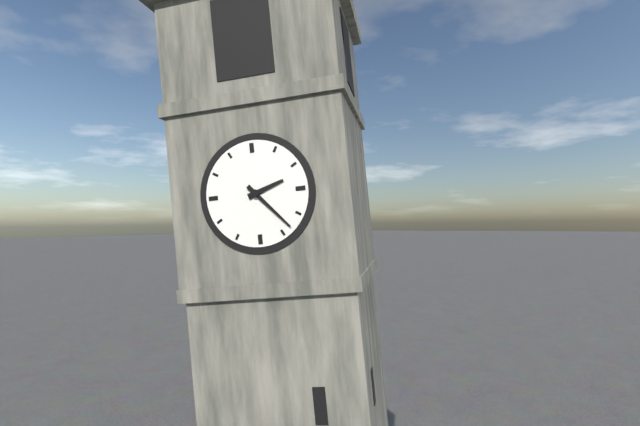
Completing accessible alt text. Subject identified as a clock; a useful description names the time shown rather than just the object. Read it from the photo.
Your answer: 2:23
